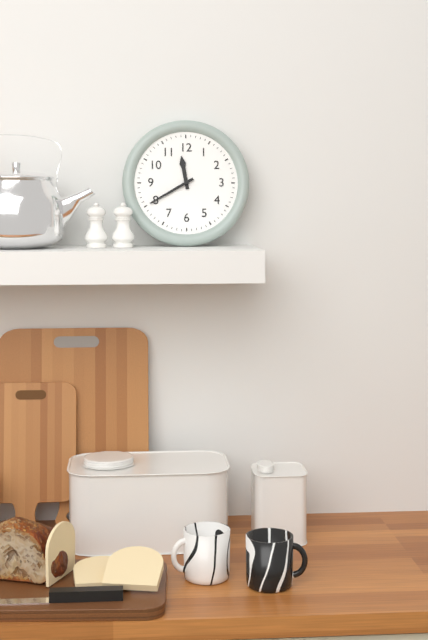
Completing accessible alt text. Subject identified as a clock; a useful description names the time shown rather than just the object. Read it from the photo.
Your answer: 11:40
